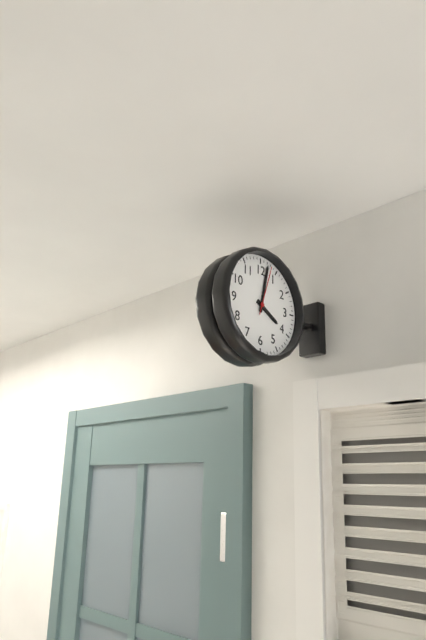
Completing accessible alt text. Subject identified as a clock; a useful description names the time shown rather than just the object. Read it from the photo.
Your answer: 4:02
